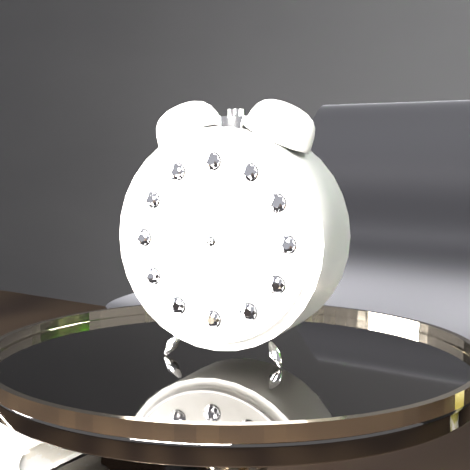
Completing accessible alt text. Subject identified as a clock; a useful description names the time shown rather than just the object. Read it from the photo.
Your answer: 9:35:54
